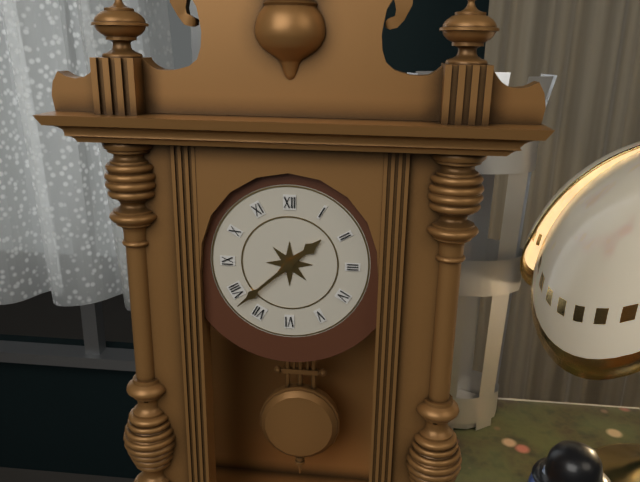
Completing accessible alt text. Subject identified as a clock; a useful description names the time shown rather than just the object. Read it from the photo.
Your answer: 1:38
